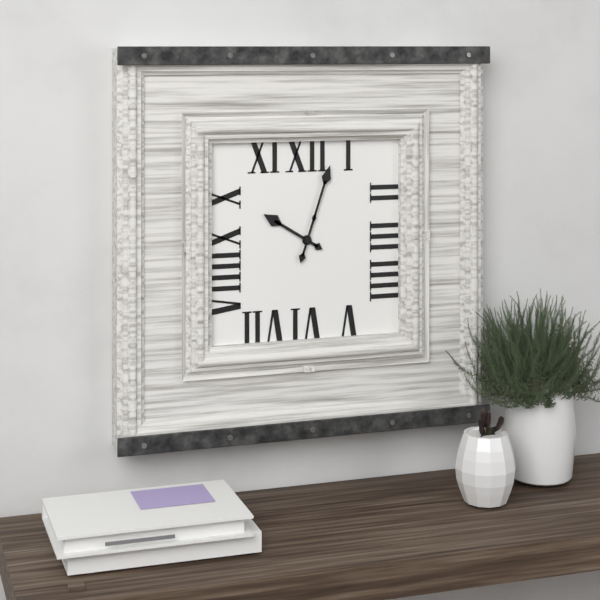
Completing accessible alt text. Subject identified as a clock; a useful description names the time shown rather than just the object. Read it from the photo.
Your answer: 10:03
